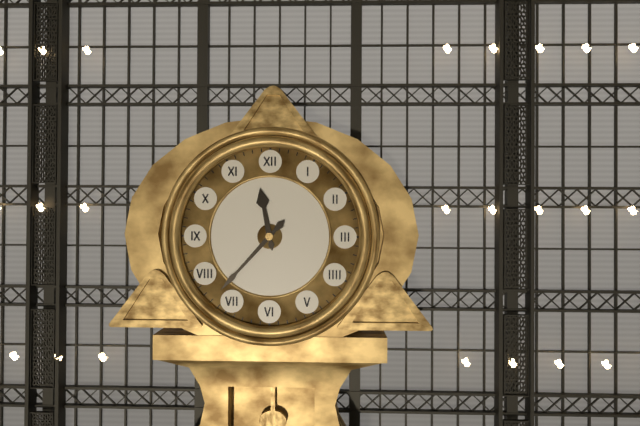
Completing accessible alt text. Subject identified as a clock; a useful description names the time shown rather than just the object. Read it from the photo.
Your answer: 11:37
